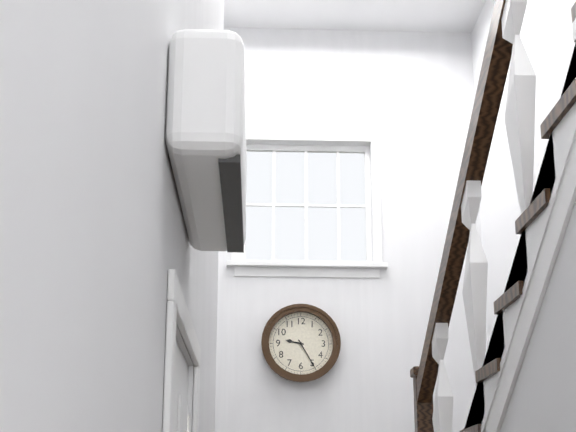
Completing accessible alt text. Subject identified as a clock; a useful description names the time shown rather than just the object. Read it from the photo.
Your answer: 9:25
